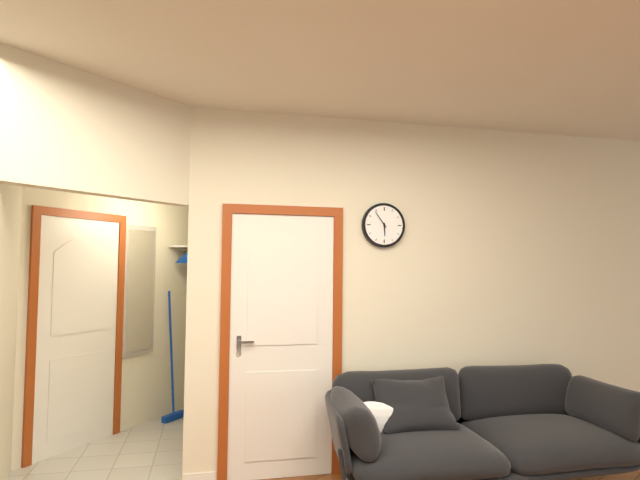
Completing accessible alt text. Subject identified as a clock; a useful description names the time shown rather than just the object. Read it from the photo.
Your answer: 5:54
